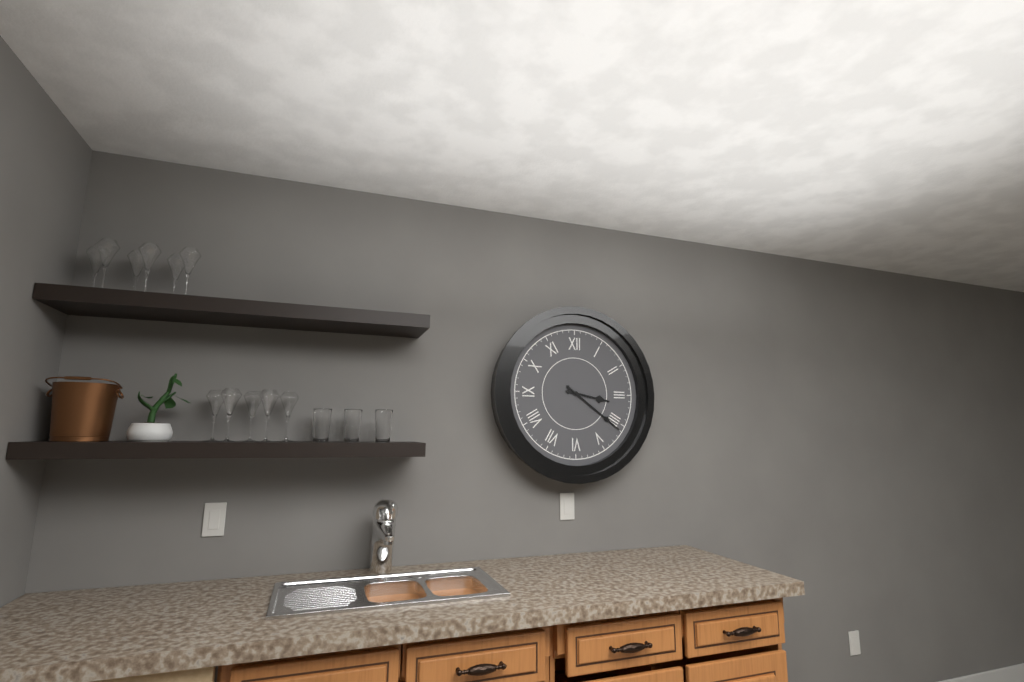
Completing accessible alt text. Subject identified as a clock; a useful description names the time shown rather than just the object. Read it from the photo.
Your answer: 3:21
